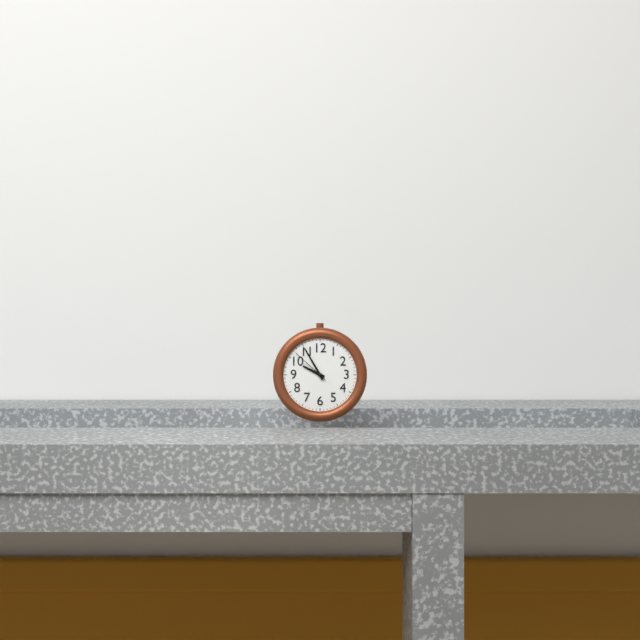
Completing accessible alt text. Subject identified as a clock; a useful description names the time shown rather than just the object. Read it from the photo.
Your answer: 9:55
